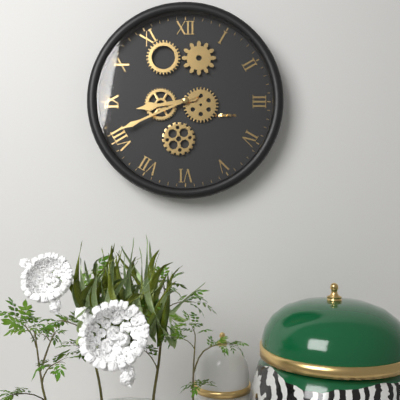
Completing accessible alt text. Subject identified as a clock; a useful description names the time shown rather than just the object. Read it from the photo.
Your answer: 8:41
